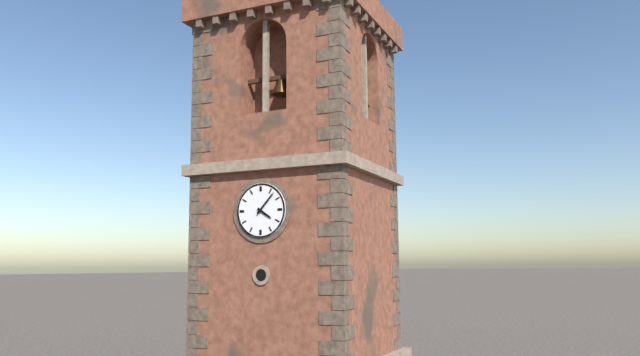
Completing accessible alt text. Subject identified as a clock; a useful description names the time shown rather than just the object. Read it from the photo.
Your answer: 4:07
